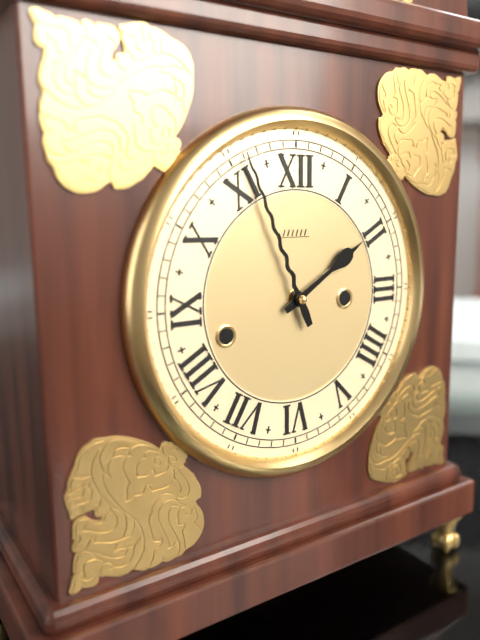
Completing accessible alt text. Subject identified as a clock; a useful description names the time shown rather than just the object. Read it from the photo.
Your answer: 1:56
